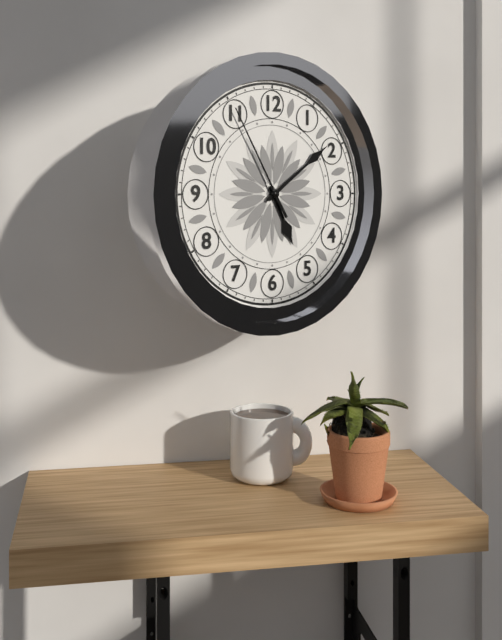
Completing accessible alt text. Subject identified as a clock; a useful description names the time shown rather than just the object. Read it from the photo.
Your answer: 5:09:55
